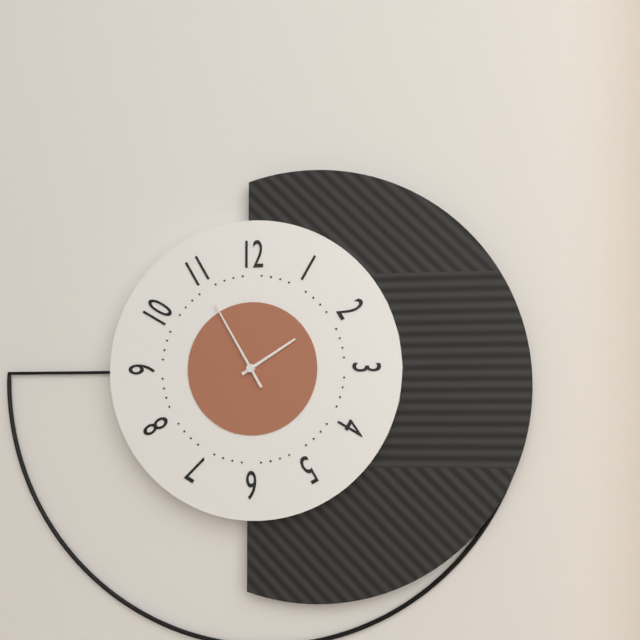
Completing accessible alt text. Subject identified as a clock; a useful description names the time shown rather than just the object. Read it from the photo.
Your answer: 1:55
